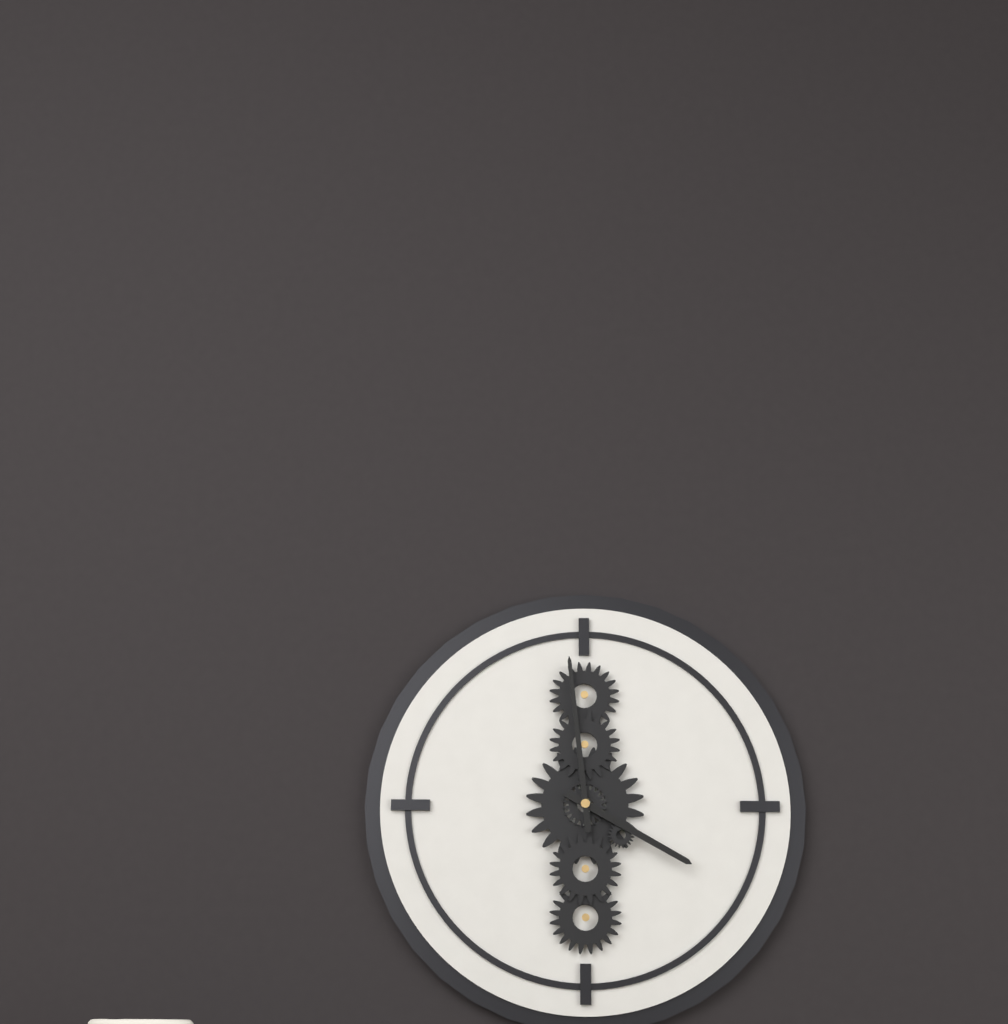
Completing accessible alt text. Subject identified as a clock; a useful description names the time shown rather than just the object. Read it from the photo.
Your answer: 3:59
